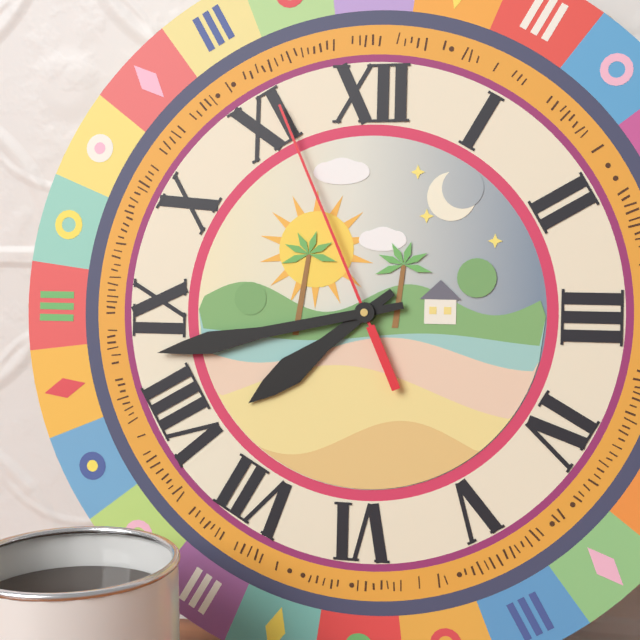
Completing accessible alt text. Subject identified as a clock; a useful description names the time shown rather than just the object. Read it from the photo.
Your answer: 7:43:56
